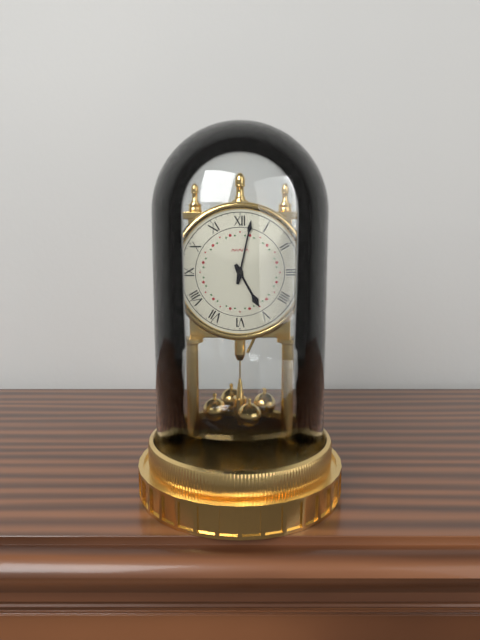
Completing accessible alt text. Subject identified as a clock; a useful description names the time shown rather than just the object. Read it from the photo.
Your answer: 5:02
